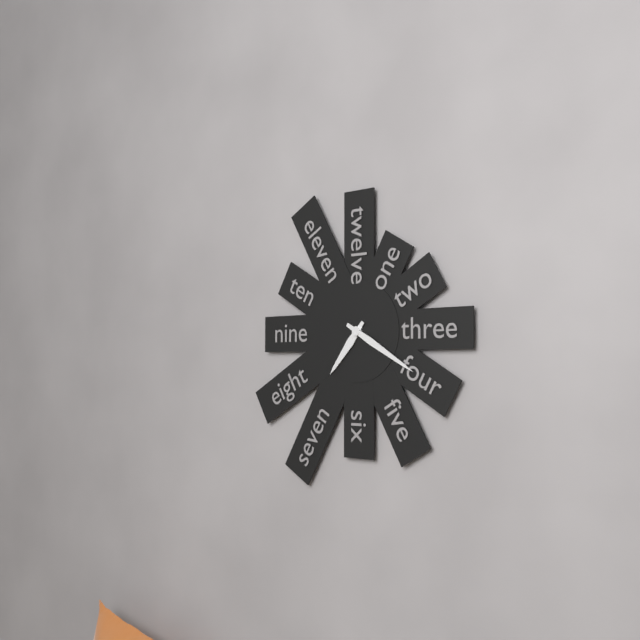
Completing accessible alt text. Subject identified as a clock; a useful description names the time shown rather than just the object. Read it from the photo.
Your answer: 7:20
